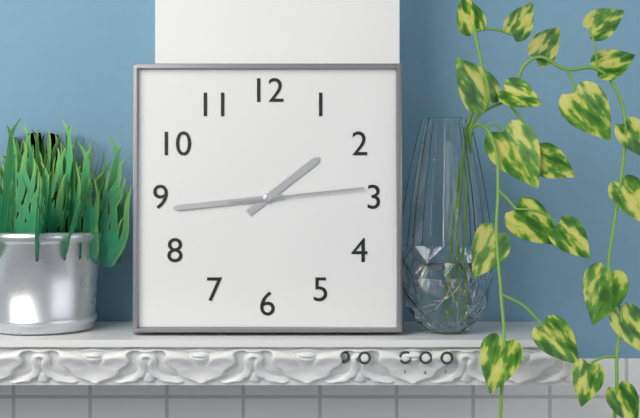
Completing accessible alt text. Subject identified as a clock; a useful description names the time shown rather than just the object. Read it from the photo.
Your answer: 1:44:14
